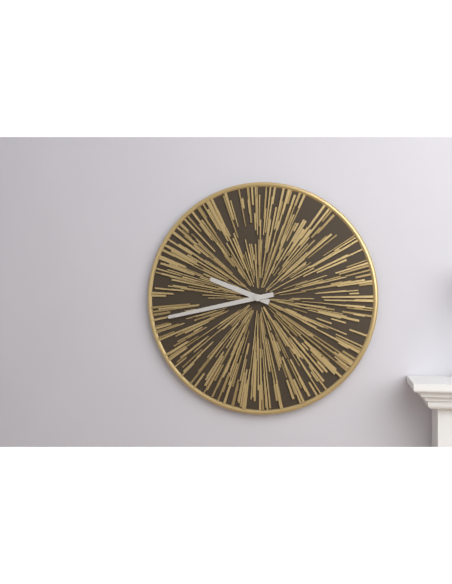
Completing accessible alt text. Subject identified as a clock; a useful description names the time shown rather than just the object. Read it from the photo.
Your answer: 9:43
